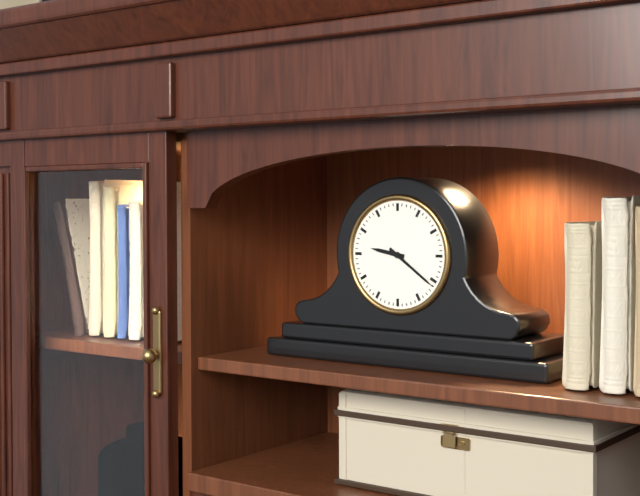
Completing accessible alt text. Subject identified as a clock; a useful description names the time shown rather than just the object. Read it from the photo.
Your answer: 9:21
